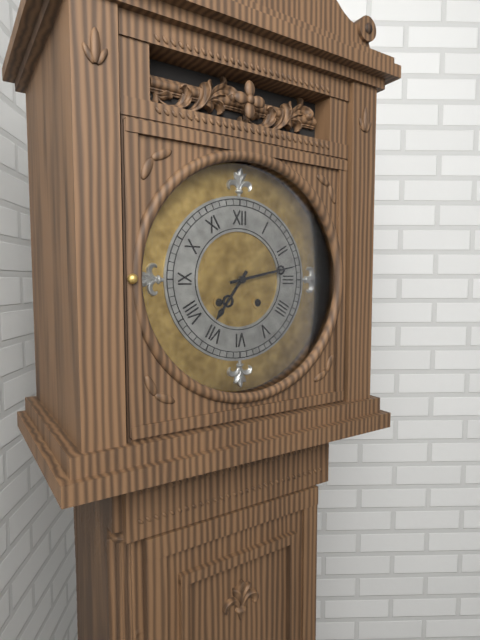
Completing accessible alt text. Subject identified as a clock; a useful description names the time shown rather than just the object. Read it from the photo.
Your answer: 7:13
